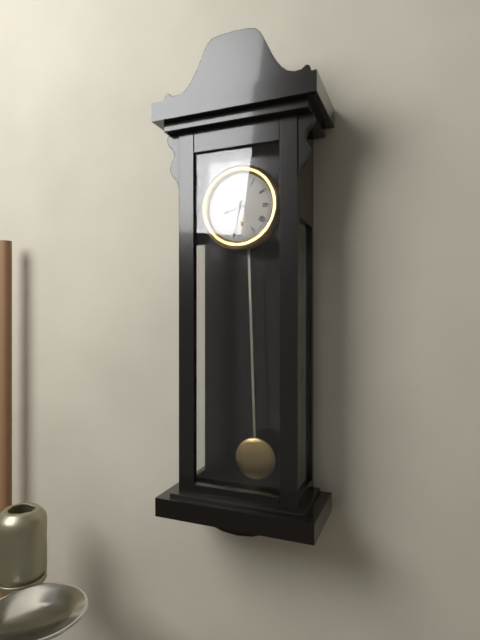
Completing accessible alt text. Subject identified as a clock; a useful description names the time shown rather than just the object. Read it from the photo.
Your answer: 8:32
